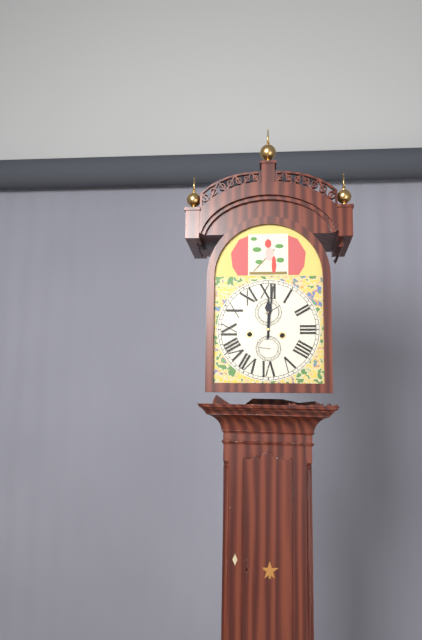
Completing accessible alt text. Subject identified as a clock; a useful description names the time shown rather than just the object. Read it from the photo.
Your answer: 12:01
